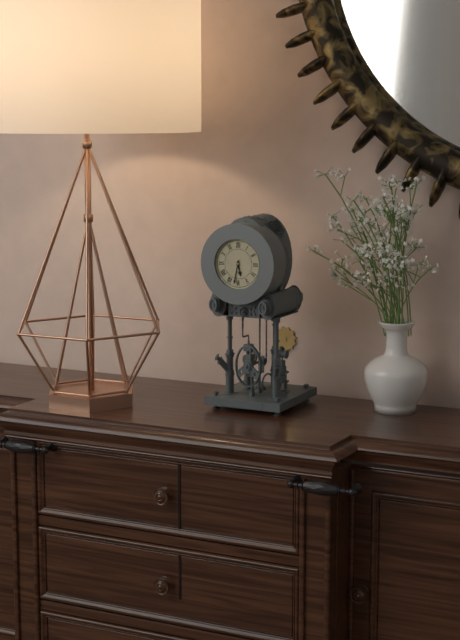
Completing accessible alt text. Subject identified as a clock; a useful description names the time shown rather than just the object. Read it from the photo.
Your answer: 5:32
